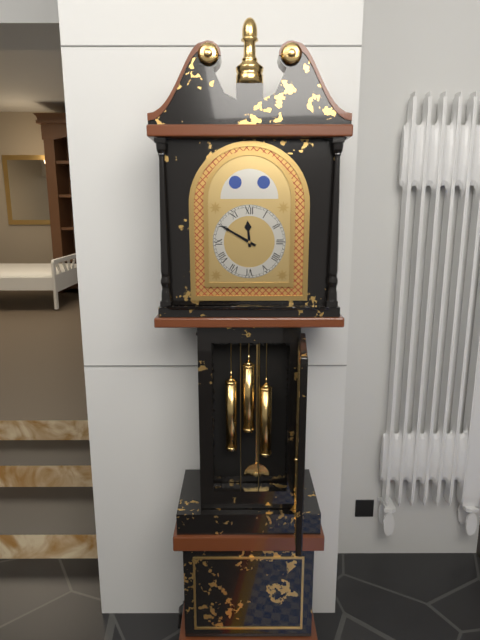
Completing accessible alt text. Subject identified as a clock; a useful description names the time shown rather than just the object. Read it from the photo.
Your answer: 11:50
